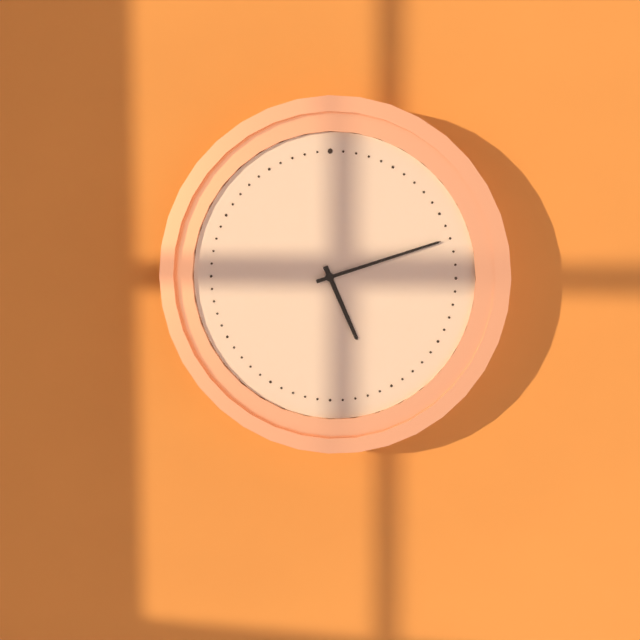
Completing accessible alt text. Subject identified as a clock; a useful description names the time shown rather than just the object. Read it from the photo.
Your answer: 5:12
